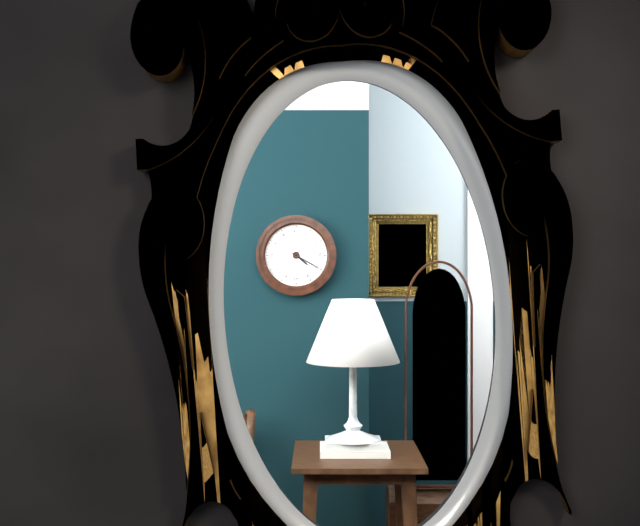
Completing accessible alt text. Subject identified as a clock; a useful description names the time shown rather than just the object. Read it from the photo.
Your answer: 4:20
